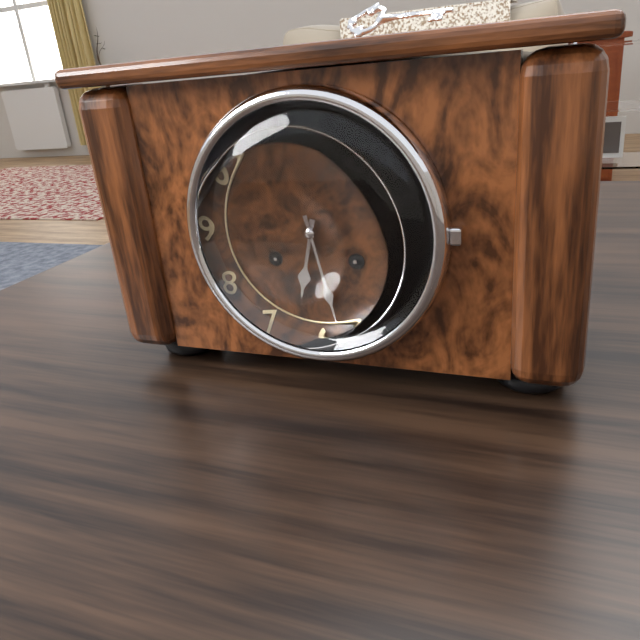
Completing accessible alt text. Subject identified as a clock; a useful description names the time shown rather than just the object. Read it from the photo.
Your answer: 6:28
